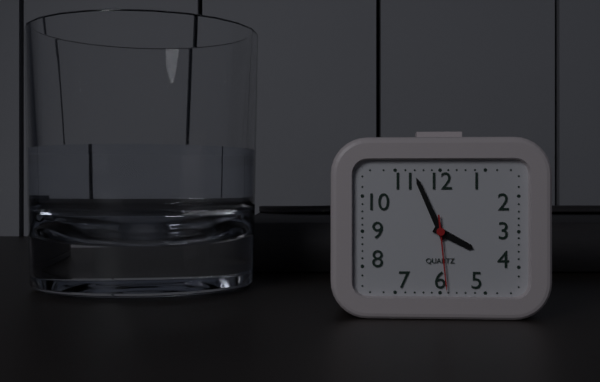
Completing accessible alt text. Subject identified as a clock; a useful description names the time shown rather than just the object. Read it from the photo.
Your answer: 3:56:29
